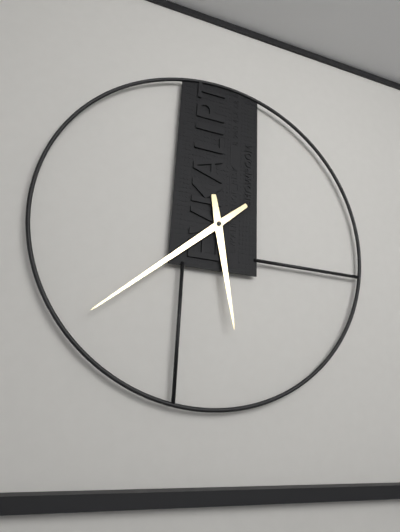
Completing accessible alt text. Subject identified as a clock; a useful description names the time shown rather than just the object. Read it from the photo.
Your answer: 5:38
